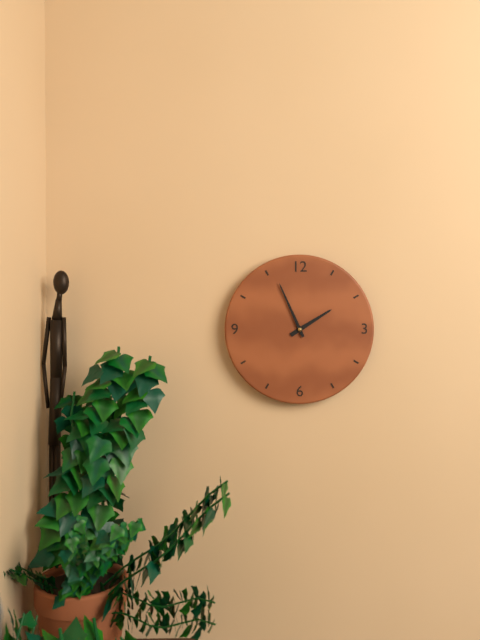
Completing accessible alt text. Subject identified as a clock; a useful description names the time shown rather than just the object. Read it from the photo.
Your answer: 1:56
